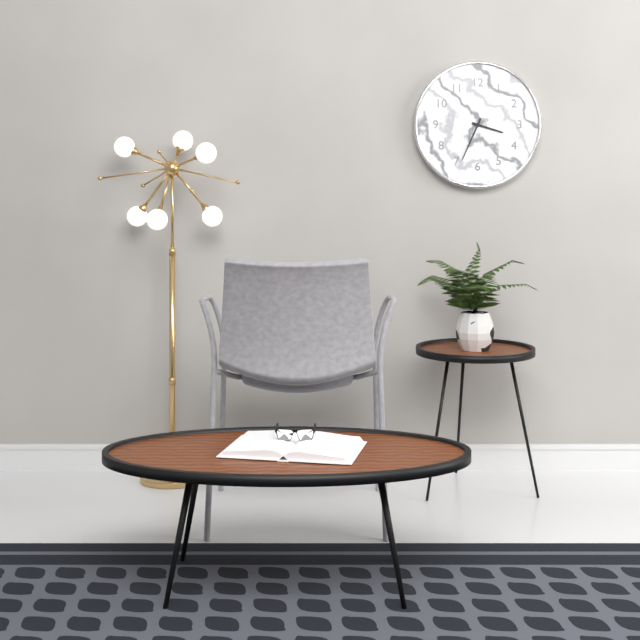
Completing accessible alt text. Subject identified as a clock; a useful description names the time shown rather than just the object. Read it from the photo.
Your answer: 3:34
